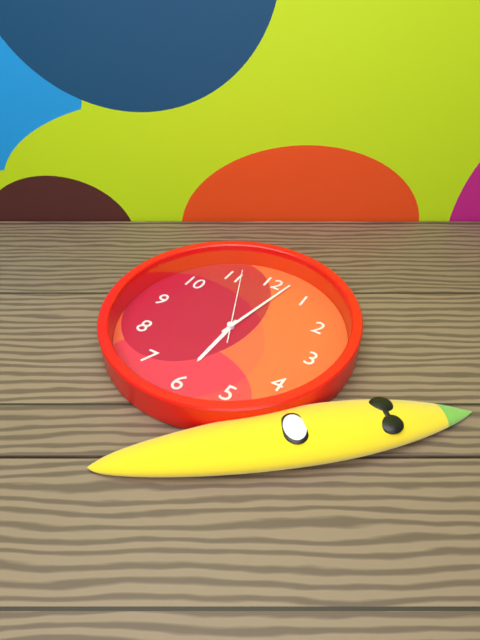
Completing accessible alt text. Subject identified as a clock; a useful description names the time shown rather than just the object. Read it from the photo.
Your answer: 6:02:56
